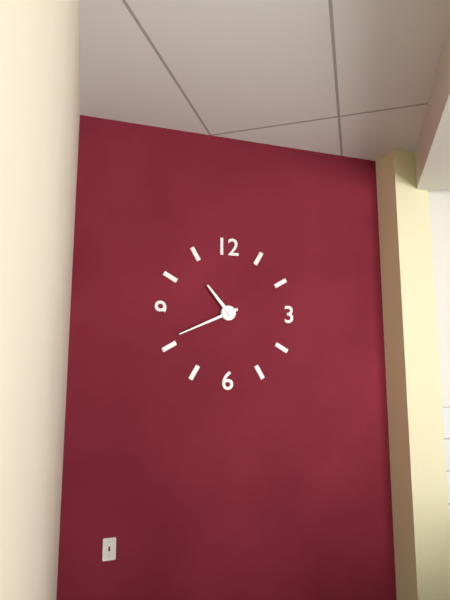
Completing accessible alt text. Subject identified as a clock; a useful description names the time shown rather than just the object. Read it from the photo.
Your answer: 10:41
